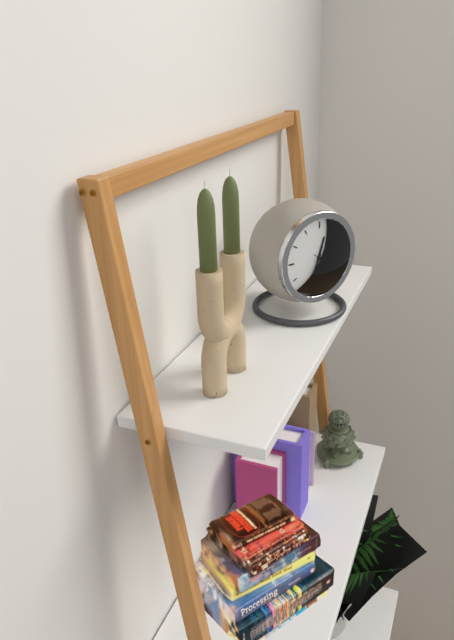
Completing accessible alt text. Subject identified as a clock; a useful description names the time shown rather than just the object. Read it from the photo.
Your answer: 12:34
